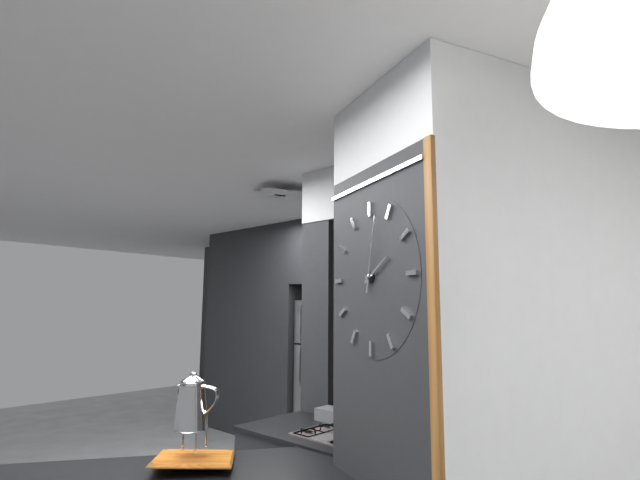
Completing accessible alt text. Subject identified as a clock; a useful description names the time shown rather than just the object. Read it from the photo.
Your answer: 2:02
